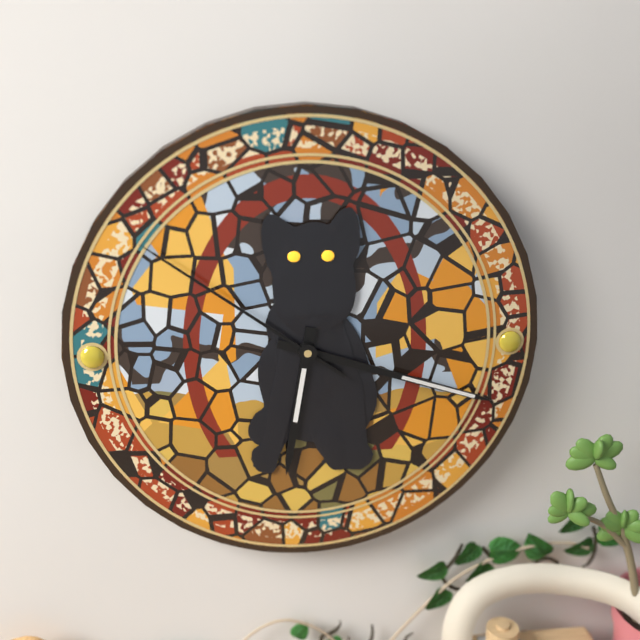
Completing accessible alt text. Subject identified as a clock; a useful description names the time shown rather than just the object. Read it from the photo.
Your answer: 6:18:51
